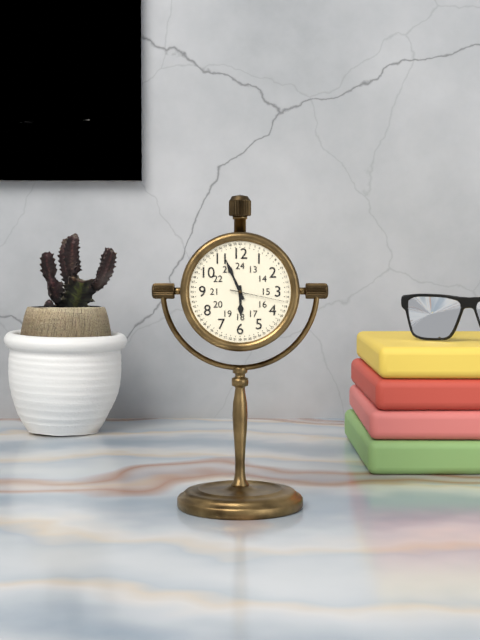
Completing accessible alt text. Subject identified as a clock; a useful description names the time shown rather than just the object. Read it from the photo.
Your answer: 5:56:17
